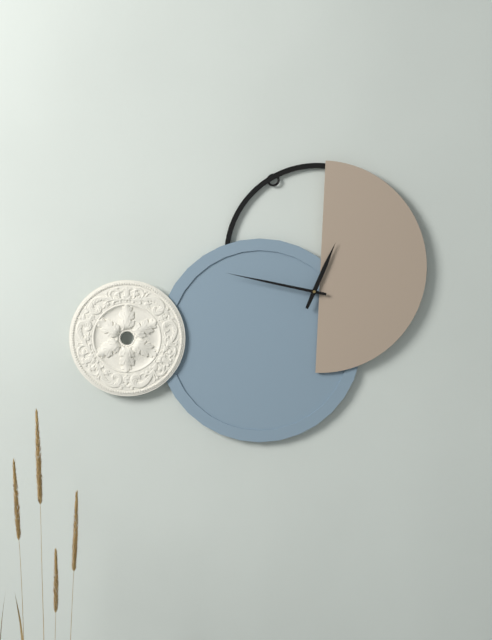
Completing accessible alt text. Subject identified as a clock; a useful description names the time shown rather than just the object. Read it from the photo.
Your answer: 12:47
